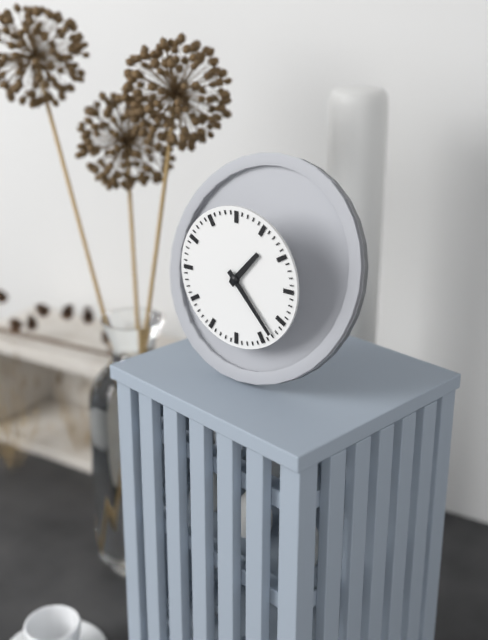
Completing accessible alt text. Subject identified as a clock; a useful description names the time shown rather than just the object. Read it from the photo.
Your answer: 1:23
